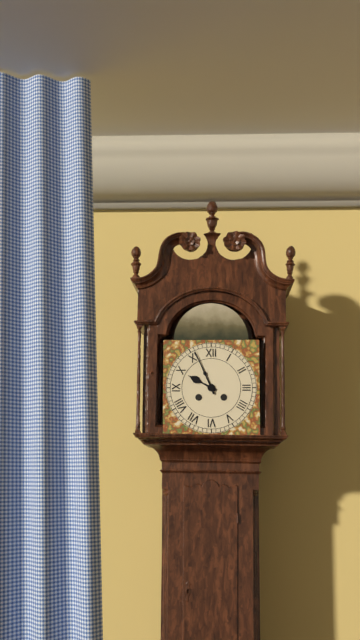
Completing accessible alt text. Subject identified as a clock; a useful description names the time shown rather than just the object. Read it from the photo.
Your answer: 9:56
